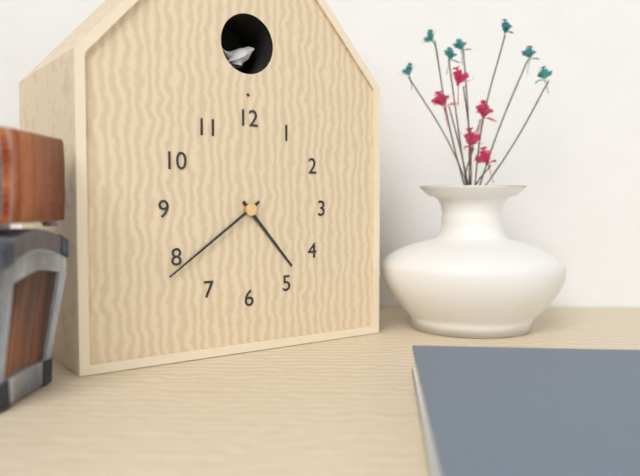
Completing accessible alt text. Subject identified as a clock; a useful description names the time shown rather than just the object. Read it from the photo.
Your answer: 4:39
